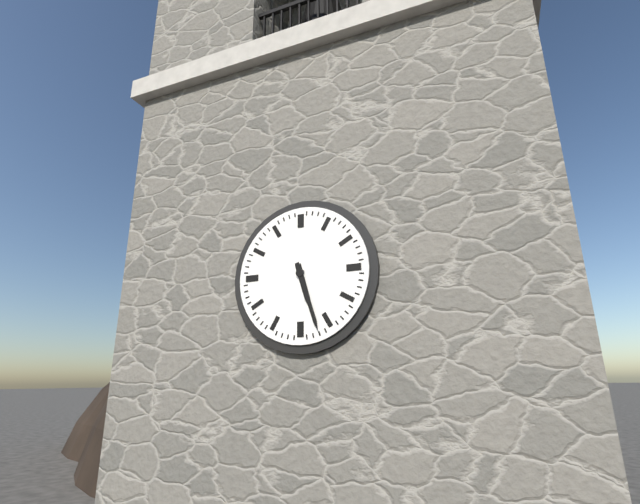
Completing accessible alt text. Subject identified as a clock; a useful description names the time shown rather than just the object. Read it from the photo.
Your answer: 5:27
